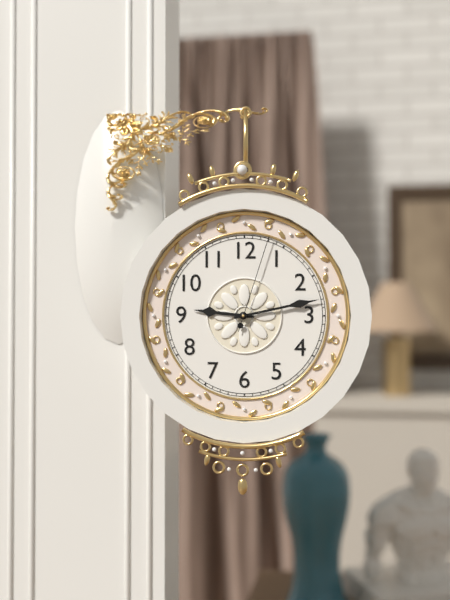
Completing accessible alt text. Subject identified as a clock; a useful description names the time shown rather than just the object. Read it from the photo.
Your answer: 9:13:03
